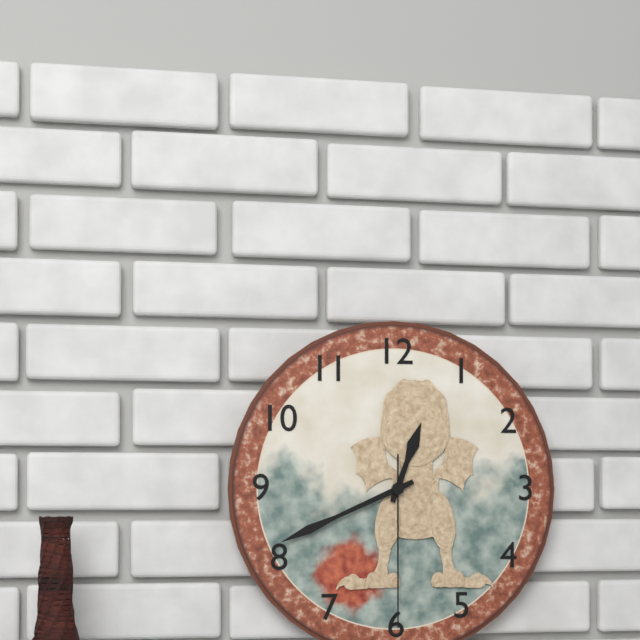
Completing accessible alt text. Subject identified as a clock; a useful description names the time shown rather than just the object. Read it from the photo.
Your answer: 12:41:30
